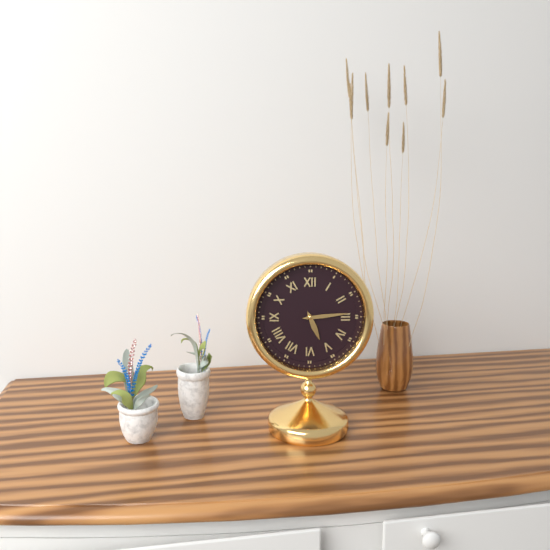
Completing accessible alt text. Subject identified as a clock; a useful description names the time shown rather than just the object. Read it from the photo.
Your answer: 5:14
